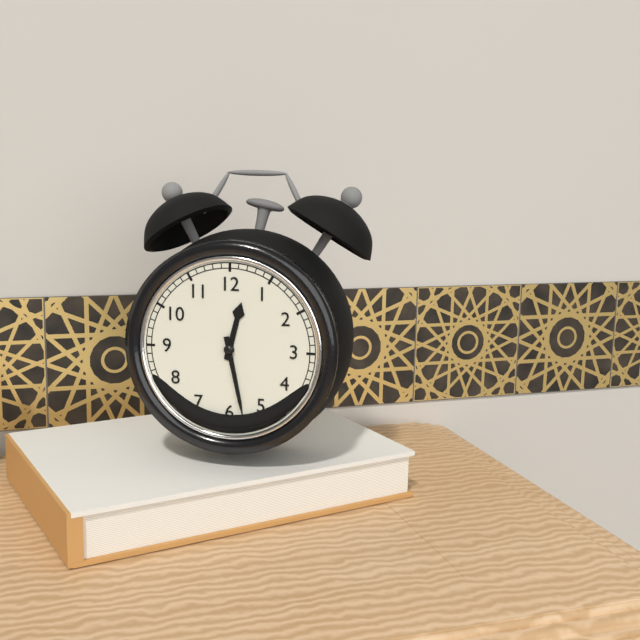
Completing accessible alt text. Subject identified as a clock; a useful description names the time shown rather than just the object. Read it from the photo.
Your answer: 12:28
